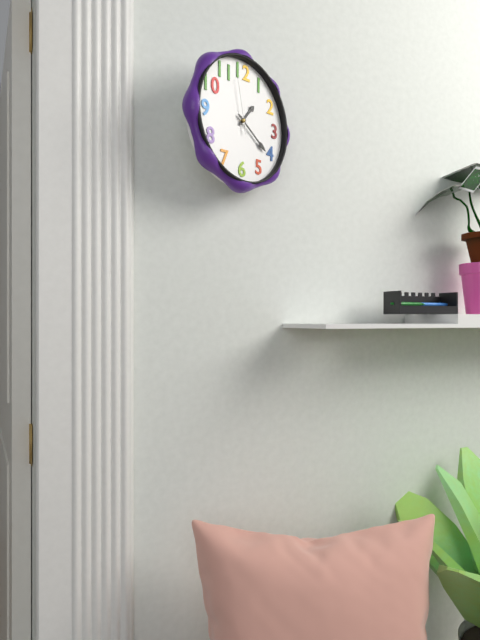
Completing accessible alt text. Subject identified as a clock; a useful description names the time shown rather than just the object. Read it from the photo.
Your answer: 1:21:58
